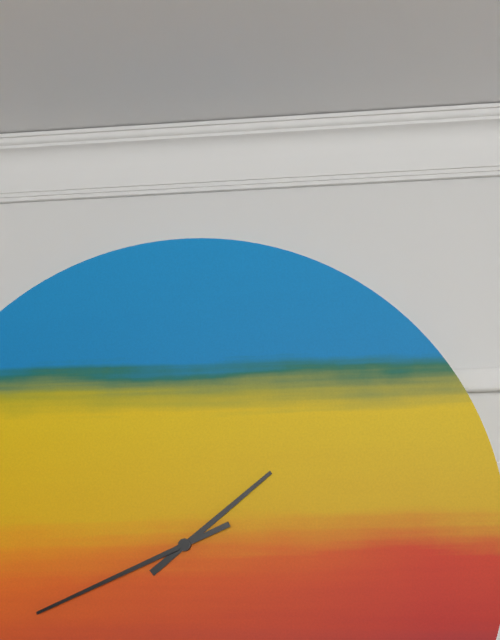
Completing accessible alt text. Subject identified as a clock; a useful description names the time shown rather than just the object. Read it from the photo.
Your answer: 1:41
